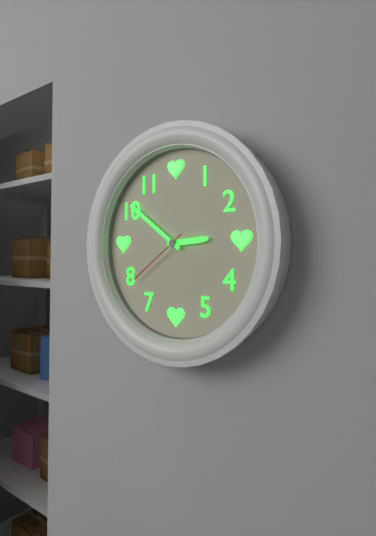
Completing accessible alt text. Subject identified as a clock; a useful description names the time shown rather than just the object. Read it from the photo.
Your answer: 2:51:39
